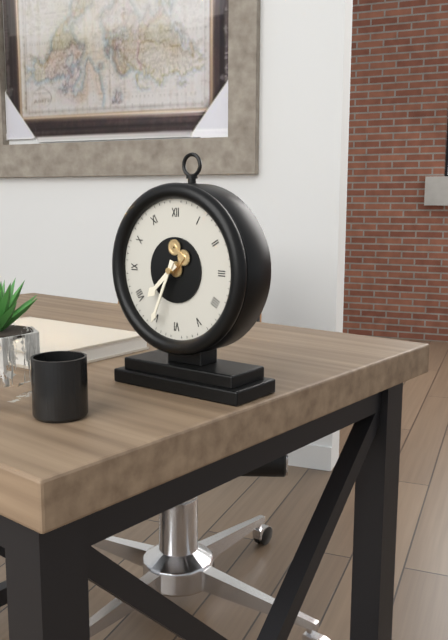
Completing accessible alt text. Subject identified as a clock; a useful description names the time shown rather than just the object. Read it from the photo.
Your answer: 7:34
